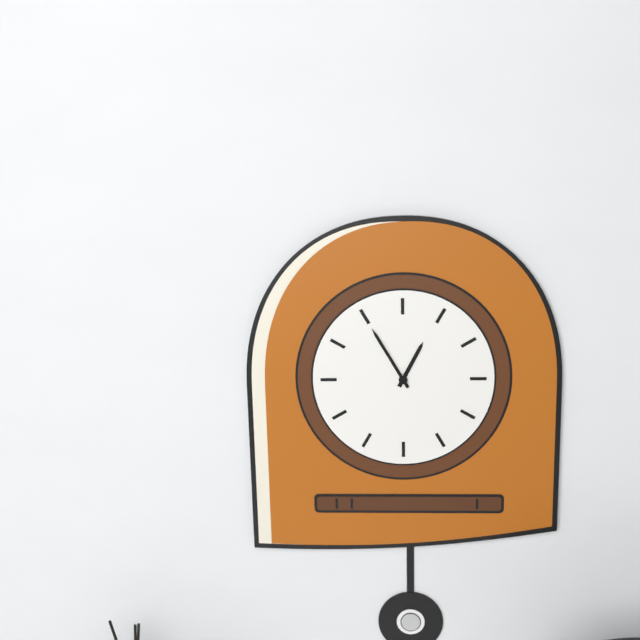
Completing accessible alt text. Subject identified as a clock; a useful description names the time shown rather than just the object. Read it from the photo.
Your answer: 12:55
